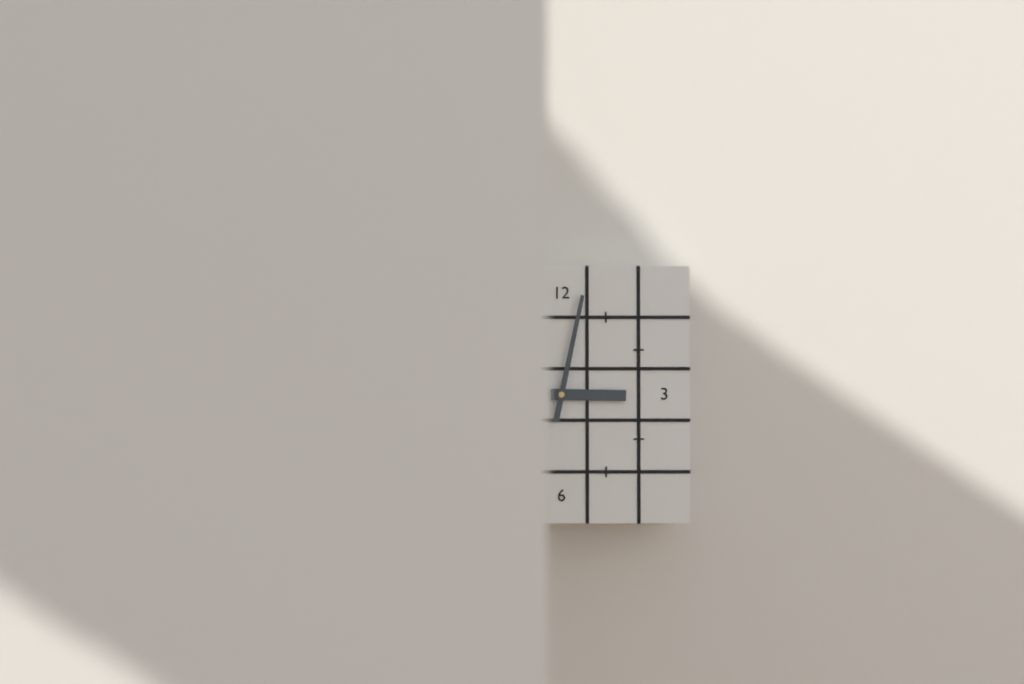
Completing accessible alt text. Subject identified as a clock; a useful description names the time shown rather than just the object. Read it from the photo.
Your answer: 3:02
